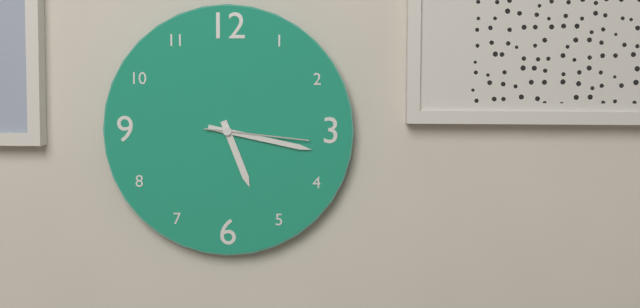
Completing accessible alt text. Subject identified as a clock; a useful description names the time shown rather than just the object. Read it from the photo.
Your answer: 5:17:16
